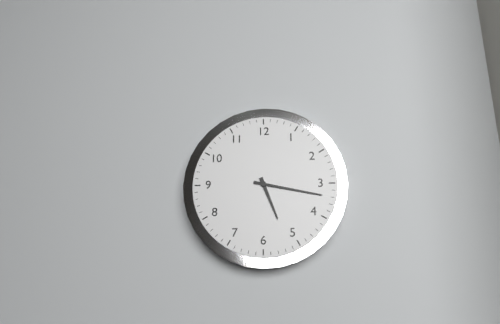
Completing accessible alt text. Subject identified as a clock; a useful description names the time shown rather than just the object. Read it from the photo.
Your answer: 5:17
